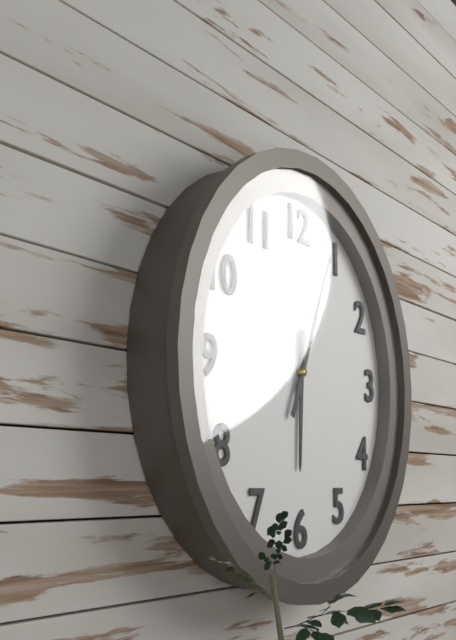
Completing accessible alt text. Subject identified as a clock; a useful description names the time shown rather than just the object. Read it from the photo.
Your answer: 6:04
